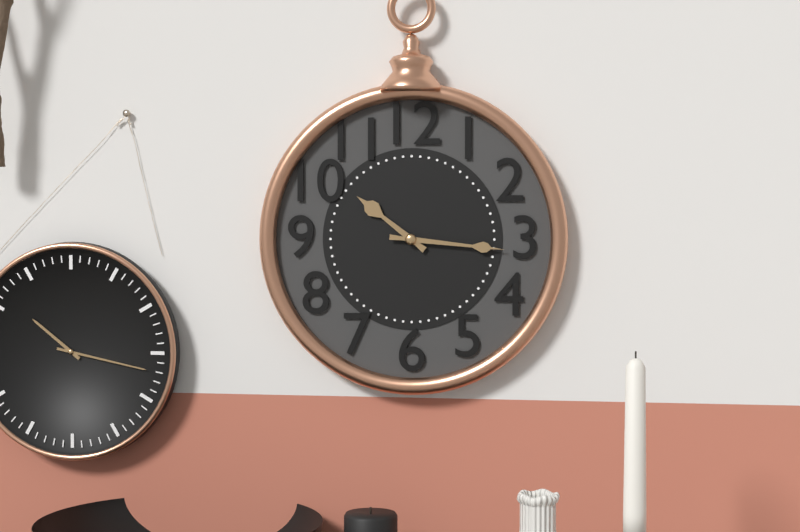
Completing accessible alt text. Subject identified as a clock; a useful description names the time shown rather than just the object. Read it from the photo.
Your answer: 10:16
